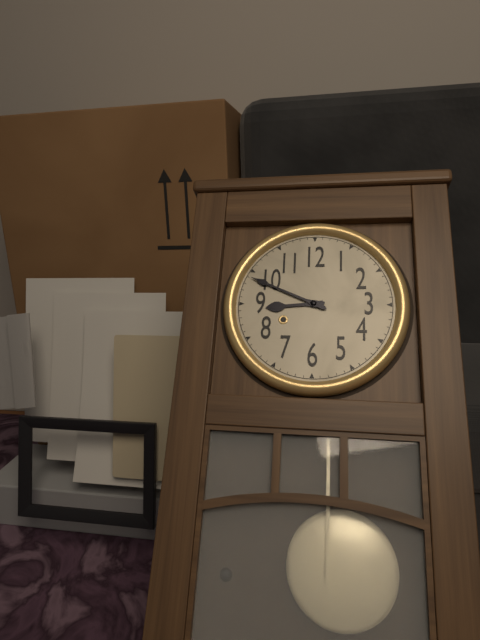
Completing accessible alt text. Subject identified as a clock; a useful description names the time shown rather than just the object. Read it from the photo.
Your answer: 8:49
